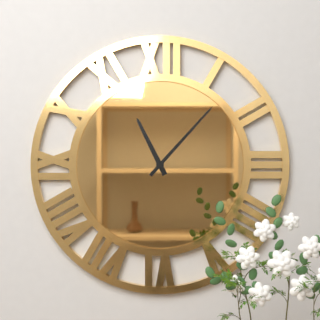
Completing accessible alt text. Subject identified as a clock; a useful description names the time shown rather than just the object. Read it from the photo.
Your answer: 11:07
